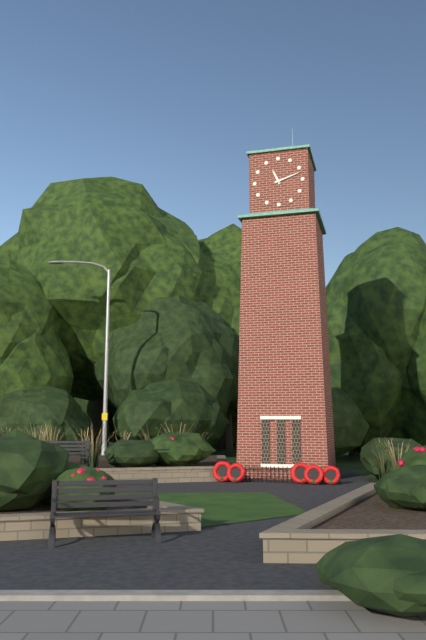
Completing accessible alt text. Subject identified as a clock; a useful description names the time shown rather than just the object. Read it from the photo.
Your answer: 11:12
